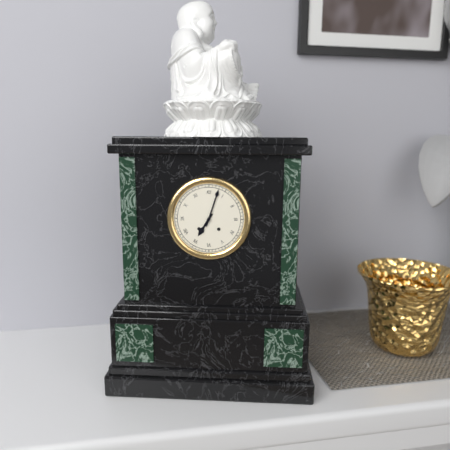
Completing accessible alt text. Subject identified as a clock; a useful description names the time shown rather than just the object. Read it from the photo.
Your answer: 7:03
